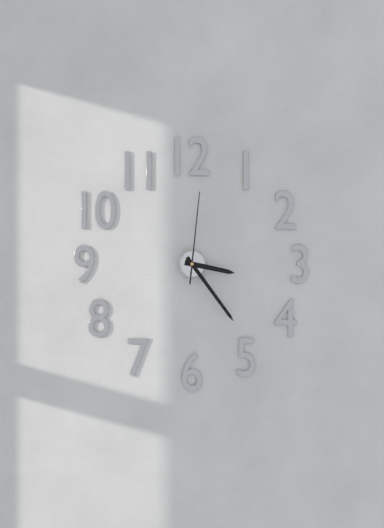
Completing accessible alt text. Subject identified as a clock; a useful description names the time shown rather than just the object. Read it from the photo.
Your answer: 3:24:01
